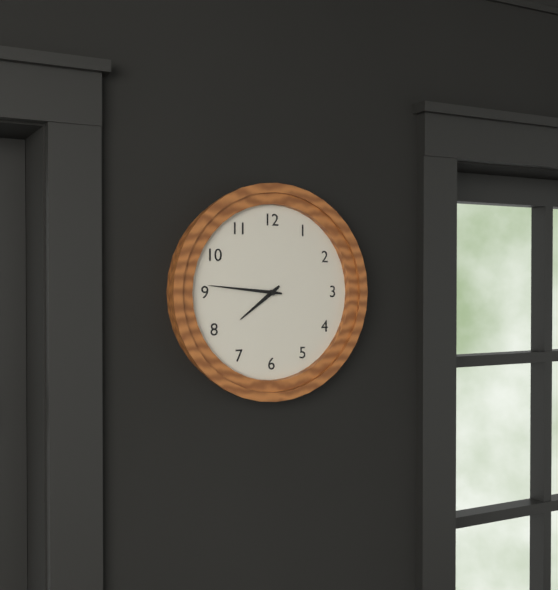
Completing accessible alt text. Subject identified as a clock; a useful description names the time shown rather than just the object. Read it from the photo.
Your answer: 7:46
